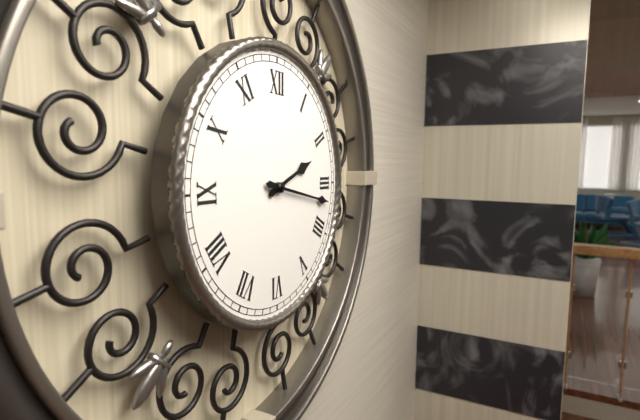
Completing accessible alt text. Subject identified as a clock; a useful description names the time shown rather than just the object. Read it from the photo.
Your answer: 2:17
